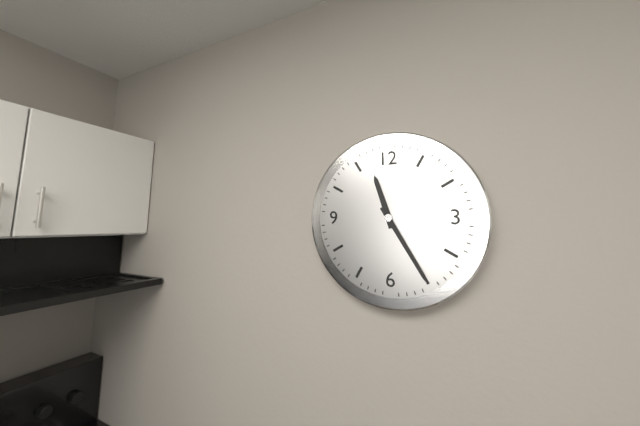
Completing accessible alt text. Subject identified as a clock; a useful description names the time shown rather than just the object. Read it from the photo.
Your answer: 11:25
